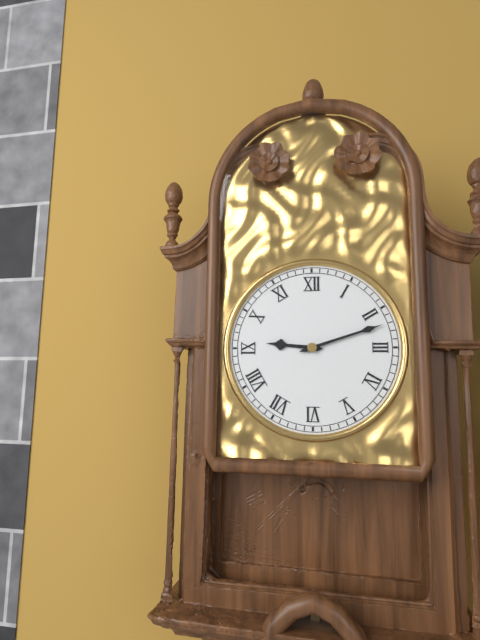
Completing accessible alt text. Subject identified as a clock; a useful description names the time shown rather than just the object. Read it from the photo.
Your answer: 9:12
